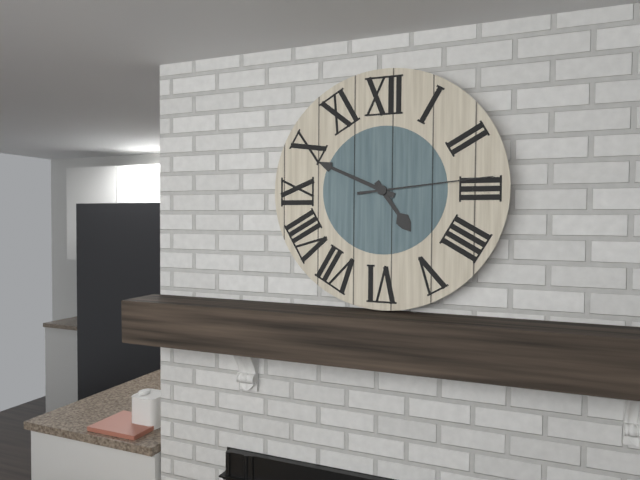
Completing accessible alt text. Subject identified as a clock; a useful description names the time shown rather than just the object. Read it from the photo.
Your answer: 4:49:14
